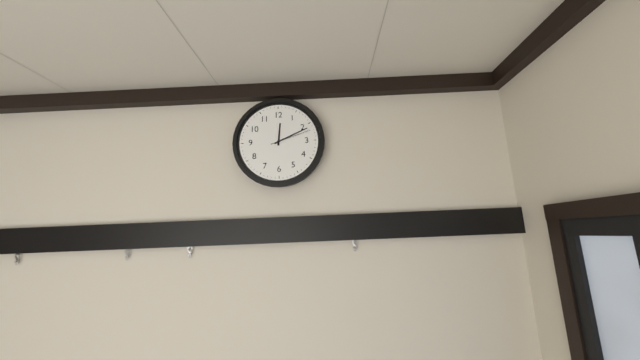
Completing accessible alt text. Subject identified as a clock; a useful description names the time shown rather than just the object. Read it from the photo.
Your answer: 12:11
